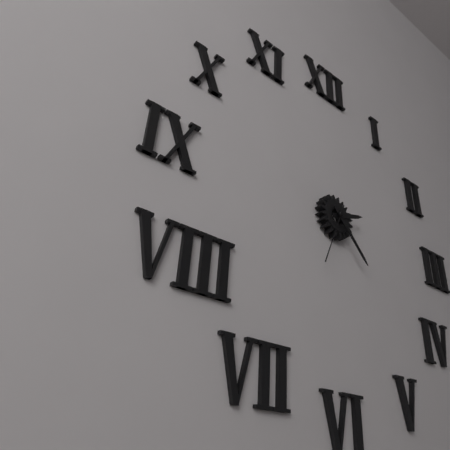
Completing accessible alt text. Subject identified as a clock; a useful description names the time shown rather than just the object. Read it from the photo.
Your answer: 2:23:34
